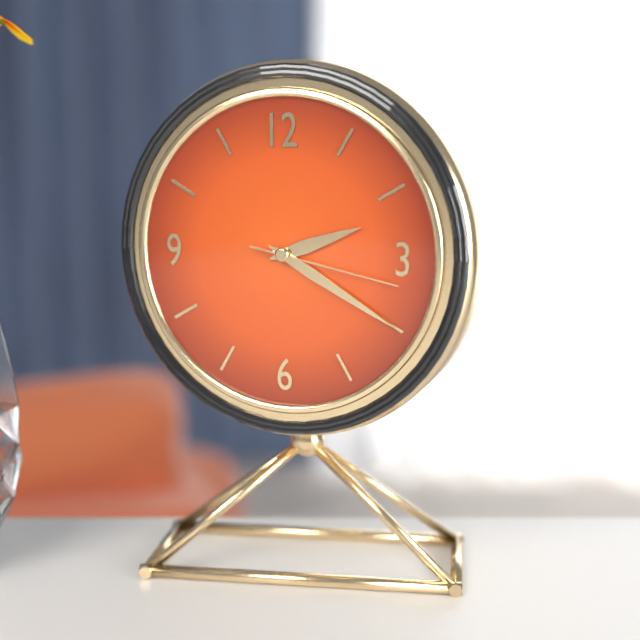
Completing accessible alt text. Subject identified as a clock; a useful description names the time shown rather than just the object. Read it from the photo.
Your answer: 2:20:17
